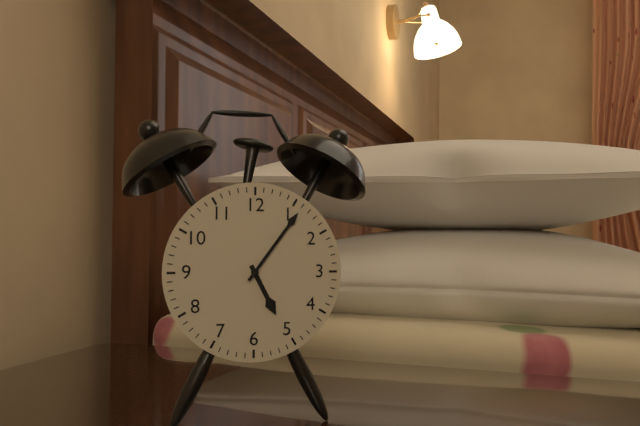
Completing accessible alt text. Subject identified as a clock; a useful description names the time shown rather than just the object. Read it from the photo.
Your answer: 5:06
